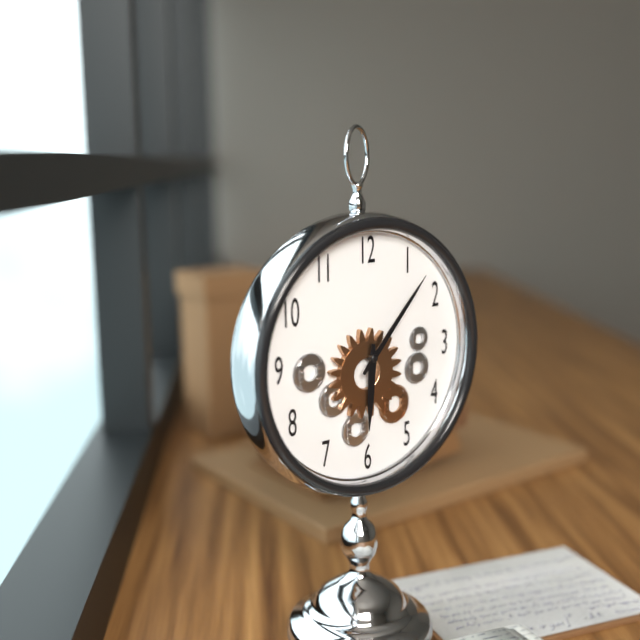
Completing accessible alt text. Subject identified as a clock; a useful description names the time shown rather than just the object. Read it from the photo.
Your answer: 6:07
